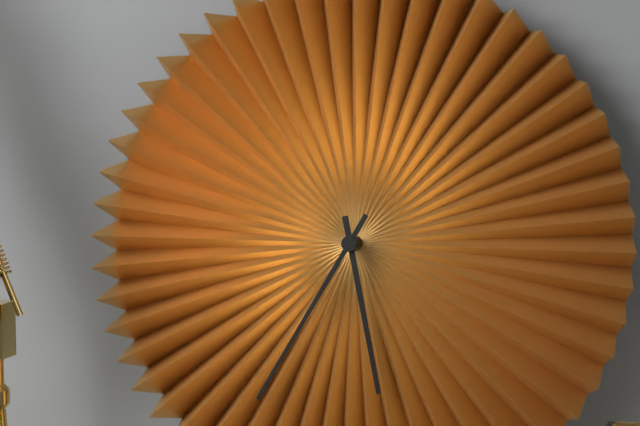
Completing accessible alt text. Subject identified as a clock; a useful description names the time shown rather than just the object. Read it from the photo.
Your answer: 5:35
